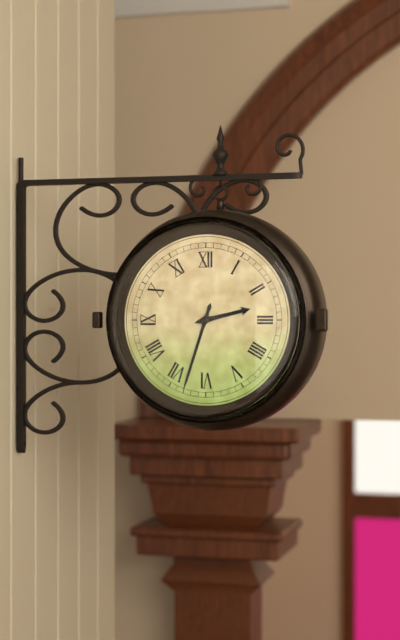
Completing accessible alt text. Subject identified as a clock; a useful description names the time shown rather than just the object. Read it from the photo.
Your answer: 2:33
